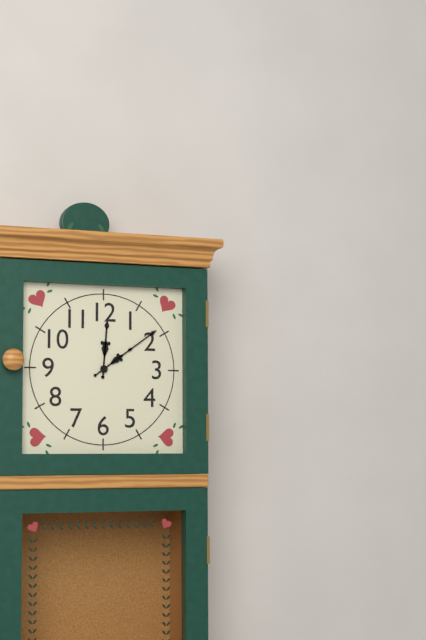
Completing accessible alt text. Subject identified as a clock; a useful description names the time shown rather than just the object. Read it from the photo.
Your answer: 12:09
